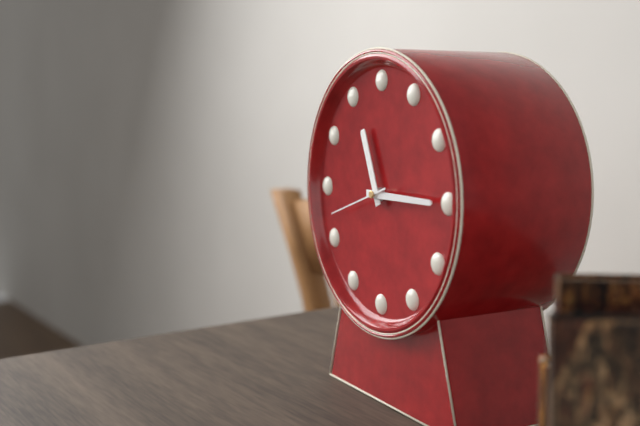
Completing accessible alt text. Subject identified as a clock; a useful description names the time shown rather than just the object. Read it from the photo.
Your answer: 11:15:42
